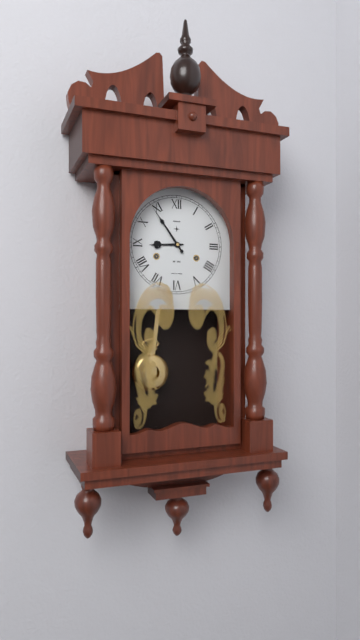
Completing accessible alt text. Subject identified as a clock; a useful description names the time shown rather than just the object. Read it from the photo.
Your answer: 8:54
